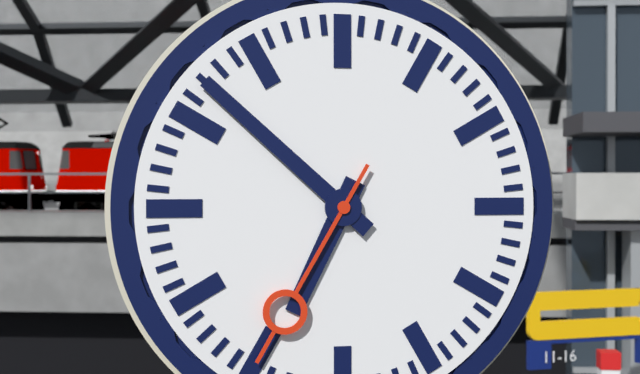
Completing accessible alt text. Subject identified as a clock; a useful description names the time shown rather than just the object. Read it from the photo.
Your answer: 6:52:35
